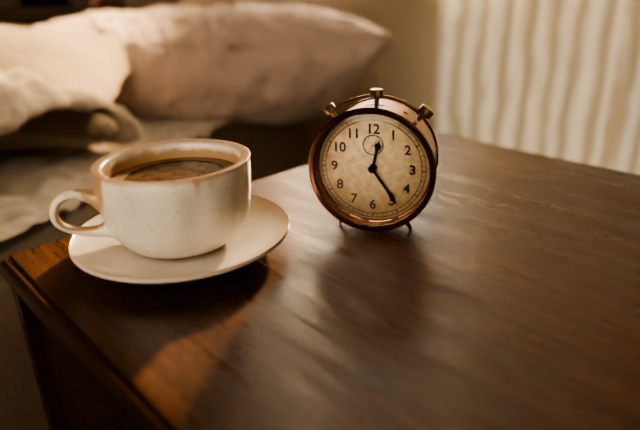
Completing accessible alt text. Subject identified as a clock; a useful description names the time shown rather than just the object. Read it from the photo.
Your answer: 12:24:48
